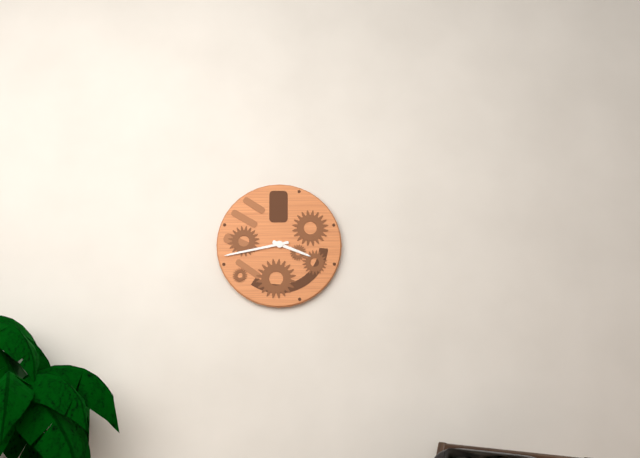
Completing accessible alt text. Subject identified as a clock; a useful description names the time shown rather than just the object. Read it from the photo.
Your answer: 3:43
